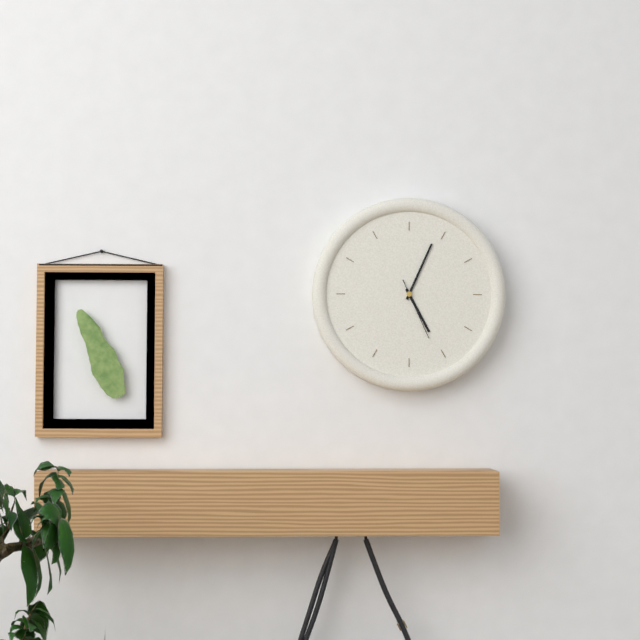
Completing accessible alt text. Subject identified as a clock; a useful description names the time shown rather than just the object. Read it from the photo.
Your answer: 5:04:26
